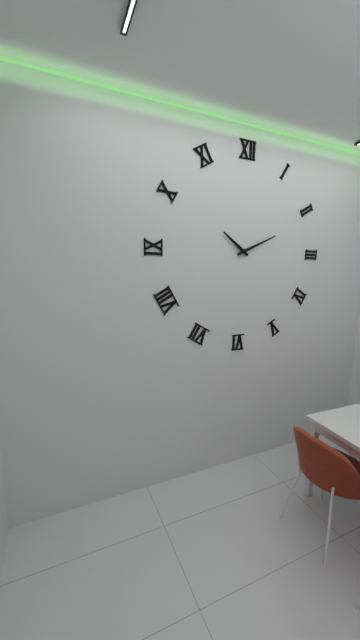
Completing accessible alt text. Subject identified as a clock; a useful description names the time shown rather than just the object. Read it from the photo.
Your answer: 10:11
